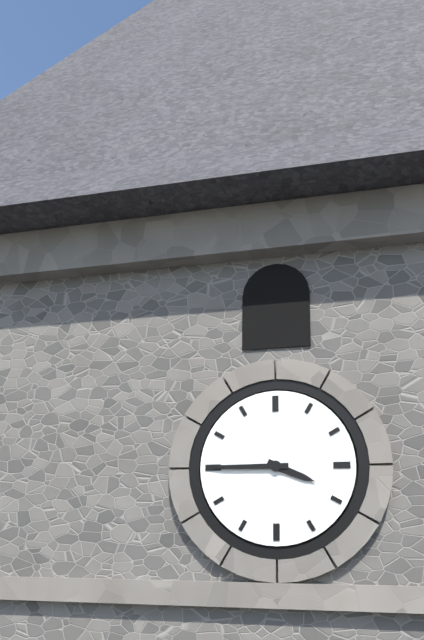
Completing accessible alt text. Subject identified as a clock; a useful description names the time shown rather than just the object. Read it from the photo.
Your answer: 3:45
